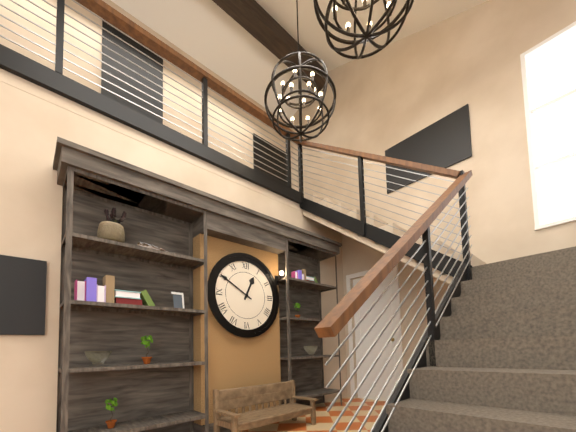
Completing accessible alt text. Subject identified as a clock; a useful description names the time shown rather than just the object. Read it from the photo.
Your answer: 12:50
